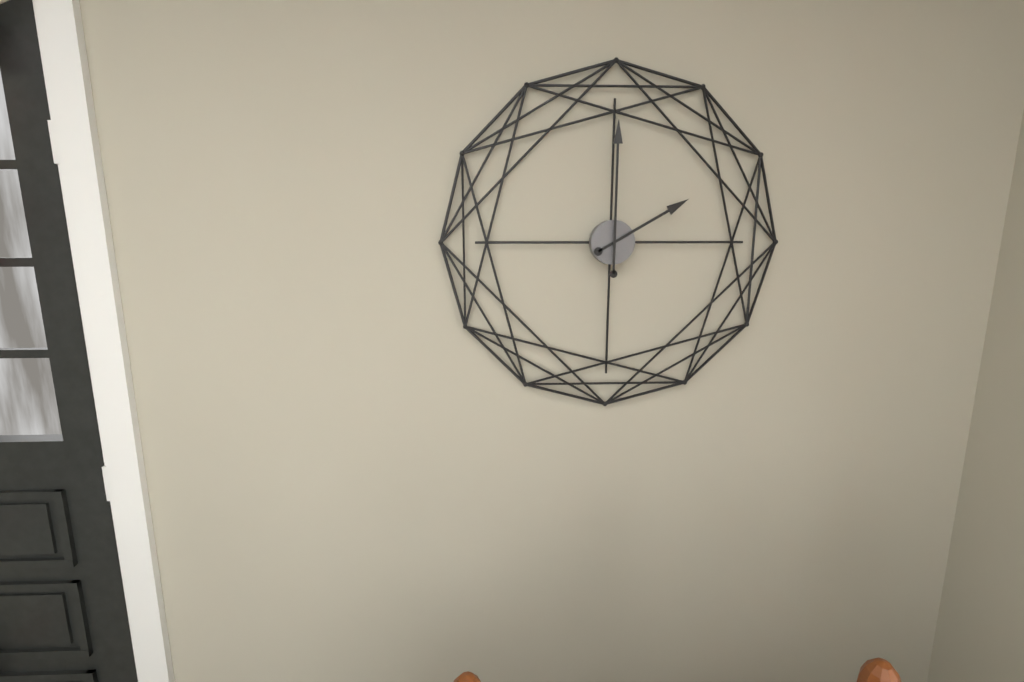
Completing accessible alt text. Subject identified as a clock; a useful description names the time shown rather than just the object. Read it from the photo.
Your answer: 2:00
